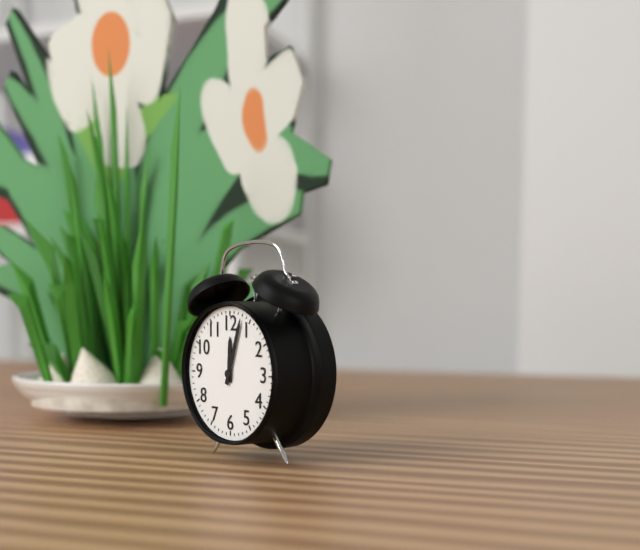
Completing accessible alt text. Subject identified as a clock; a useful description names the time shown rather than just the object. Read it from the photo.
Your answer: 12:03
